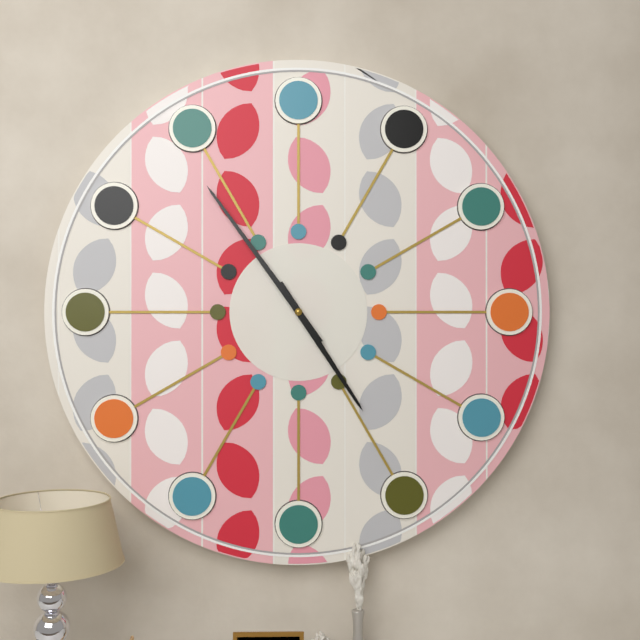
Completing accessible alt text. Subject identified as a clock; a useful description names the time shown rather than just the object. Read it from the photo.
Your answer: 4:54
